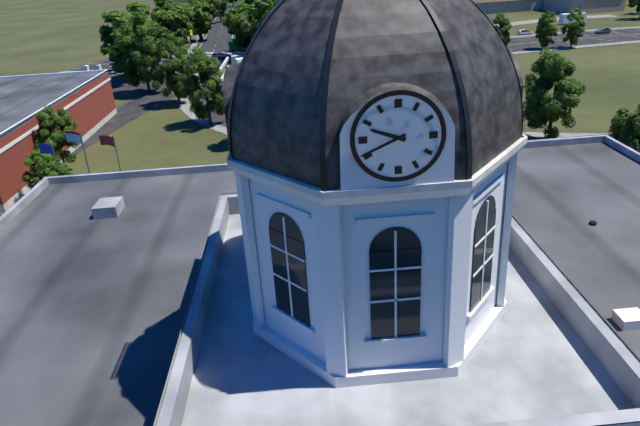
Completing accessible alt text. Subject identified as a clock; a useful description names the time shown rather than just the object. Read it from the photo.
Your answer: 9:41
